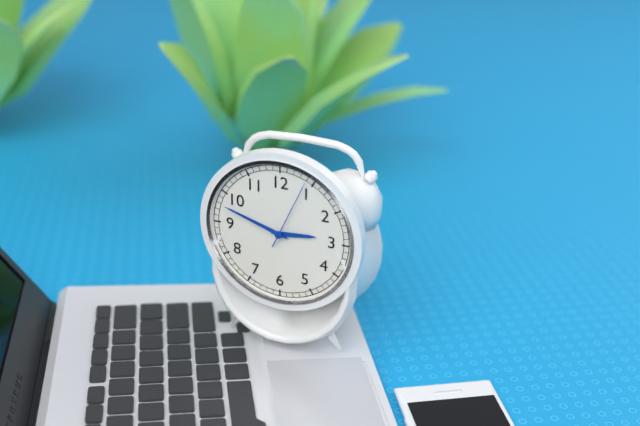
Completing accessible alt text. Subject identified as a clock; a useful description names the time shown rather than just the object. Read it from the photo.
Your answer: 2:48:04
